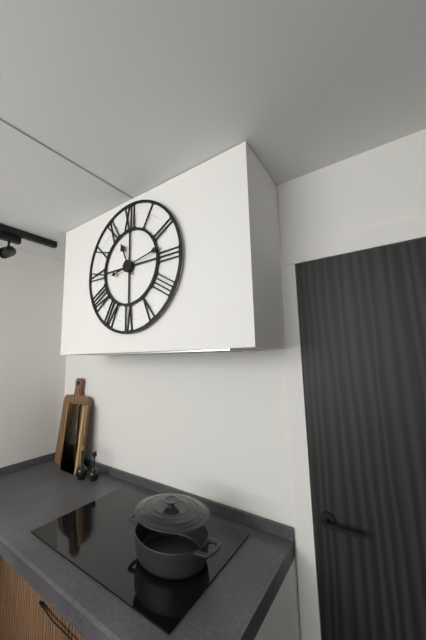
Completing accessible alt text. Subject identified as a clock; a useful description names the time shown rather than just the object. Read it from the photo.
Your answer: 11:13
